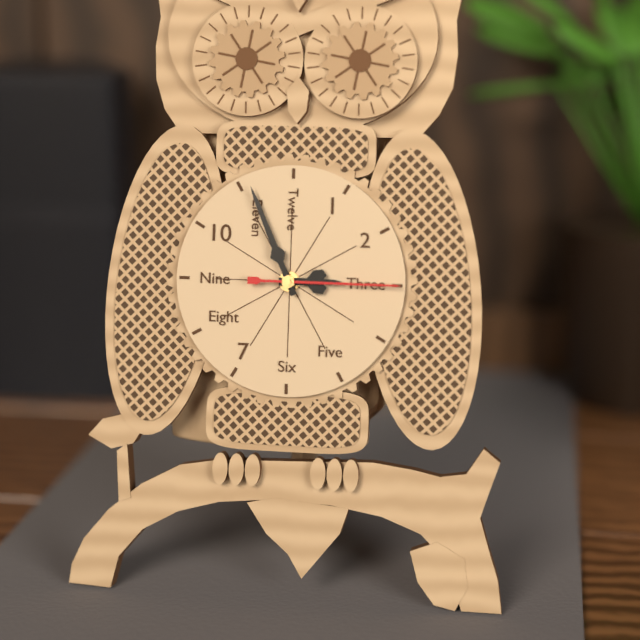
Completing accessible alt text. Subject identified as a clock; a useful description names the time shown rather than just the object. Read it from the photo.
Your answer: 2:56:15
